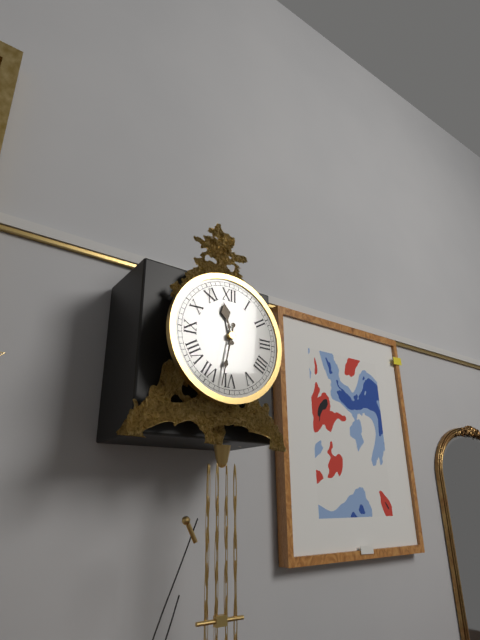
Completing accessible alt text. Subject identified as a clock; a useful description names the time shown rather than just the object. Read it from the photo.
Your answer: 11:32
